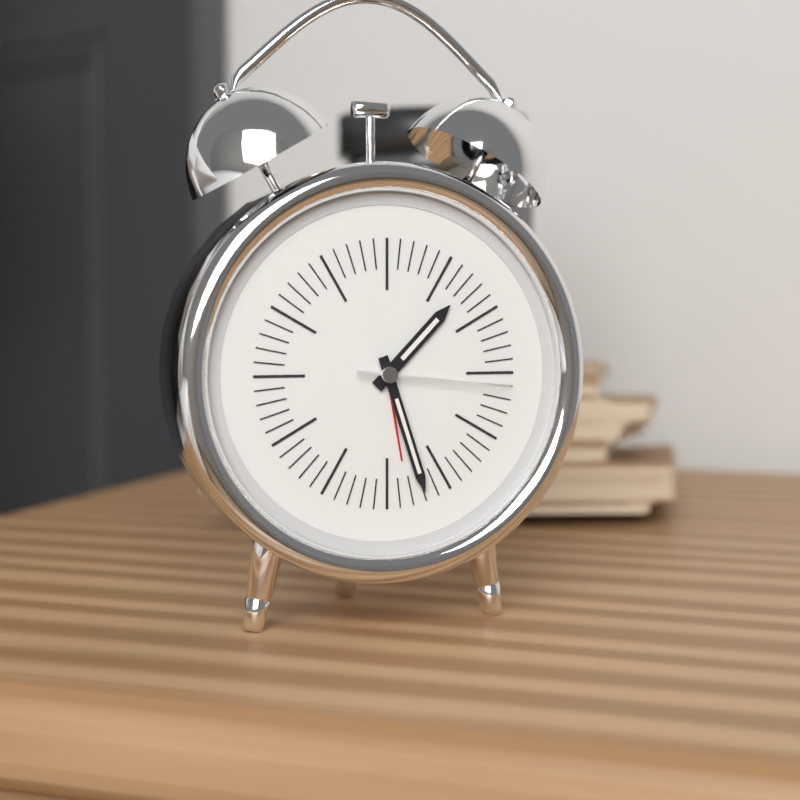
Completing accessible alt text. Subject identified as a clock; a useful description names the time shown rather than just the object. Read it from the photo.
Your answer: 1:27:16
